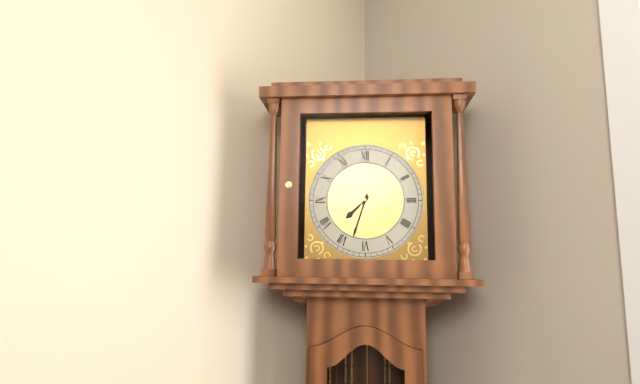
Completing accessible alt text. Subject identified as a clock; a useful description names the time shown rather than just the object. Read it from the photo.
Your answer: 7:33
